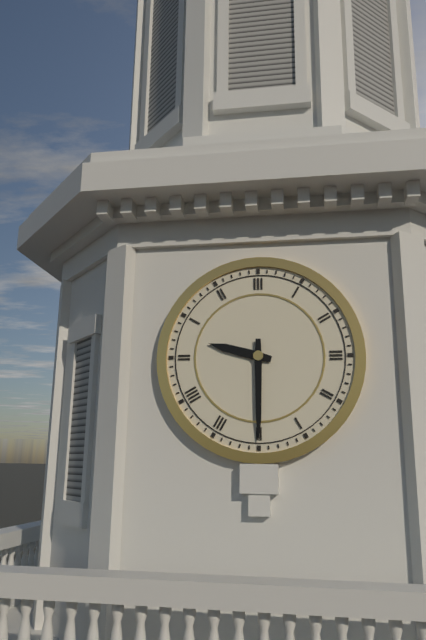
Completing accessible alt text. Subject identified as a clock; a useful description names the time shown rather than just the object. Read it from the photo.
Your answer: 9:30
